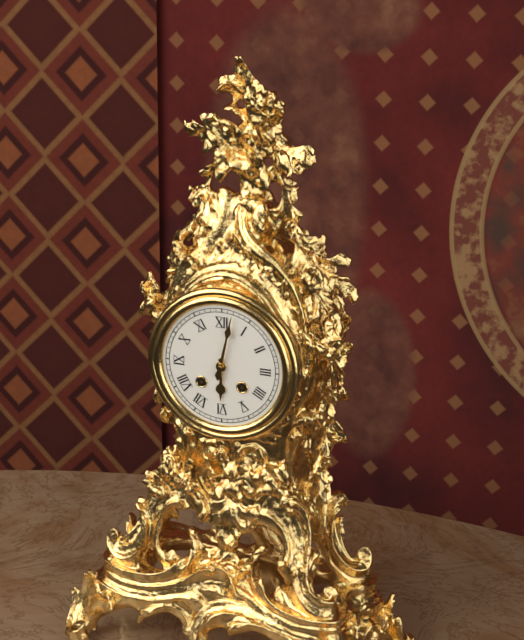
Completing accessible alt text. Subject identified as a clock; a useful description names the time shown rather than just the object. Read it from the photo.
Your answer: 6:02
